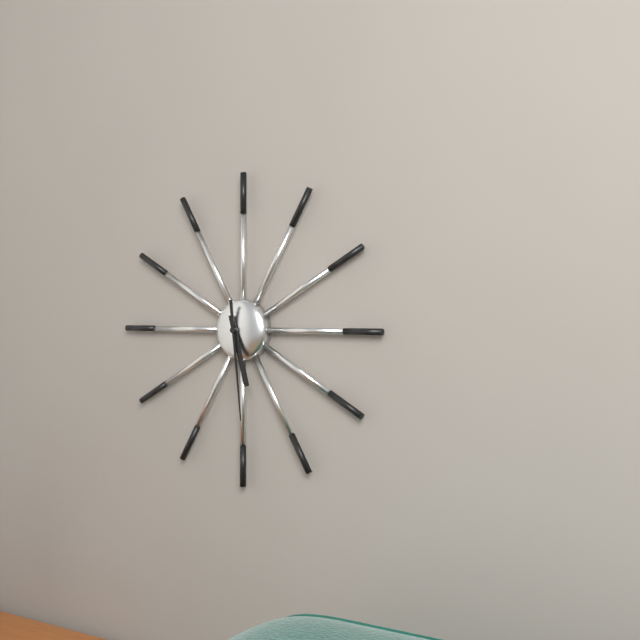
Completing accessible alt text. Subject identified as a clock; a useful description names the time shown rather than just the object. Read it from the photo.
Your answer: 5:29
